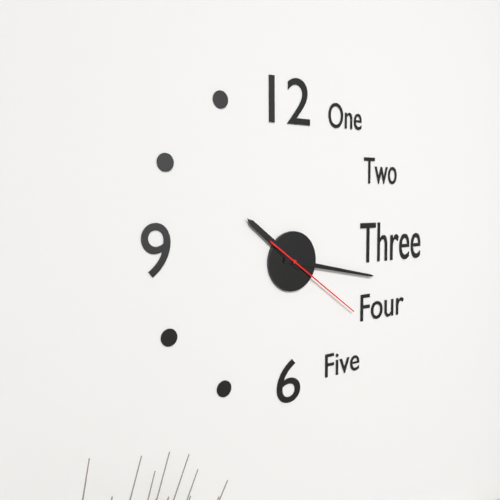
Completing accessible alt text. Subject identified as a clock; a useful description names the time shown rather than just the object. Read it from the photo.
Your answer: 10:17:21
